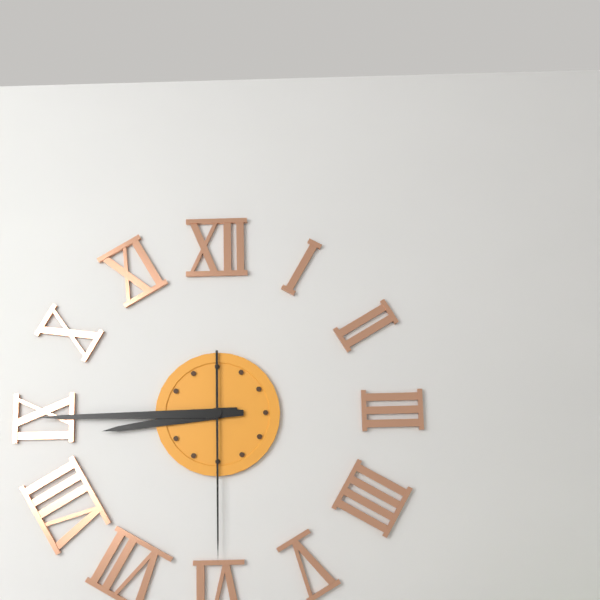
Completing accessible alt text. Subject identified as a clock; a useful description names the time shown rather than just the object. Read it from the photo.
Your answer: 8:45:30
